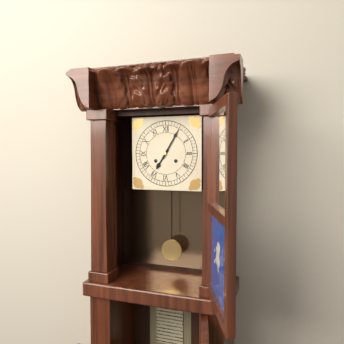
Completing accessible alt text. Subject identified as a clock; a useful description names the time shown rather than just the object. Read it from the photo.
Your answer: 7:05
